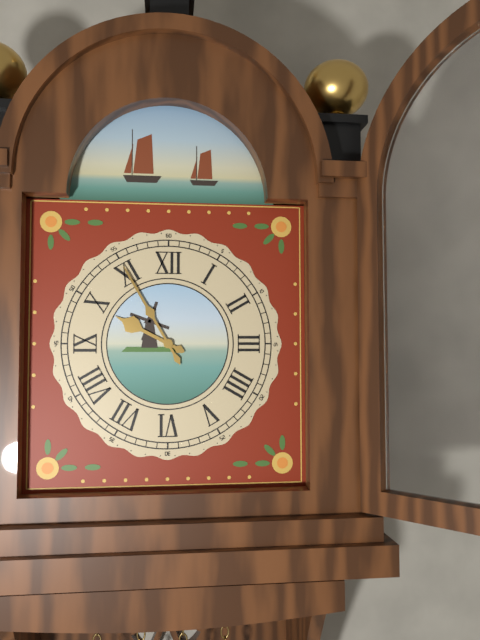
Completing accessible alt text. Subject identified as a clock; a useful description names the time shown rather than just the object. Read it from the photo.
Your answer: 9:55
